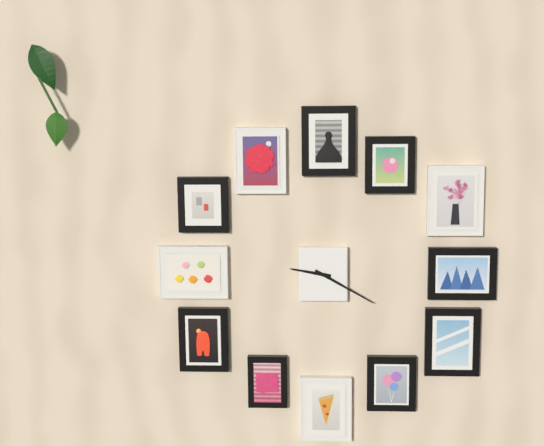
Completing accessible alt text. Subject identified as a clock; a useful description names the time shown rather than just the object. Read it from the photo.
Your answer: 9:20
